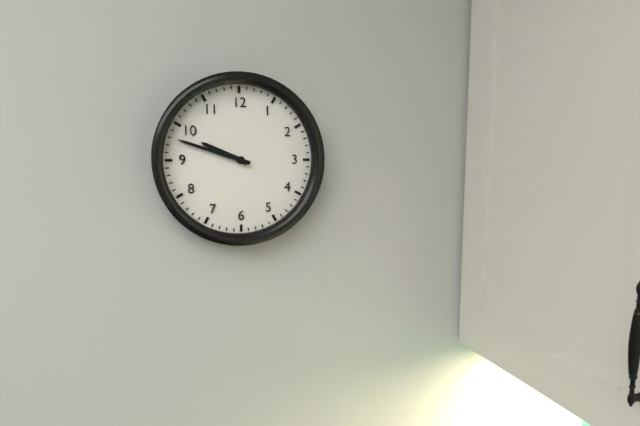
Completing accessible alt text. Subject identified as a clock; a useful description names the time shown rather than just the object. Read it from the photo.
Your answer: 9:48
